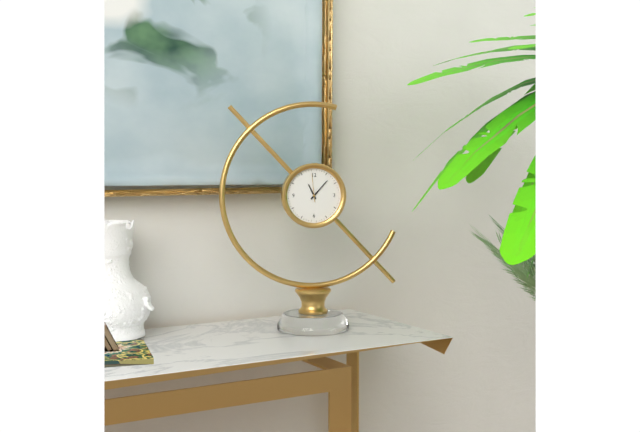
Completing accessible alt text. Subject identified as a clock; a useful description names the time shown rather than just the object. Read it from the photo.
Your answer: 11:07
